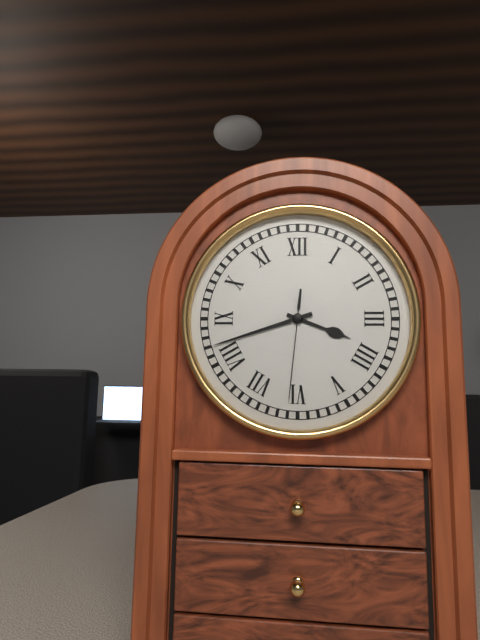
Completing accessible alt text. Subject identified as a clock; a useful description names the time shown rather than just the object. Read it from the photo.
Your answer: 3:42:31
